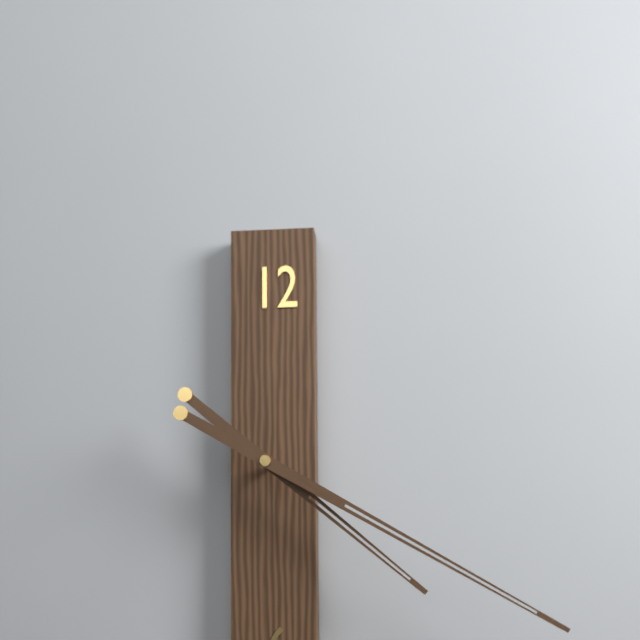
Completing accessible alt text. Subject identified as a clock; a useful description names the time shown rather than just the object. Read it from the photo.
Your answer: 4:20
